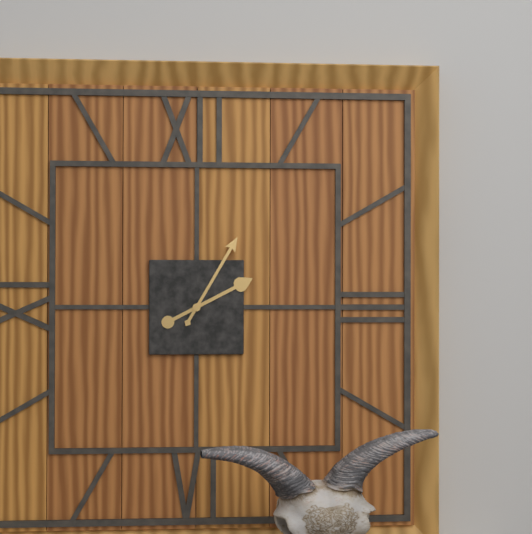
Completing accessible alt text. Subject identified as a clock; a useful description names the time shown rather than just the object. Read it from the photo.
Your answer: 2:05
